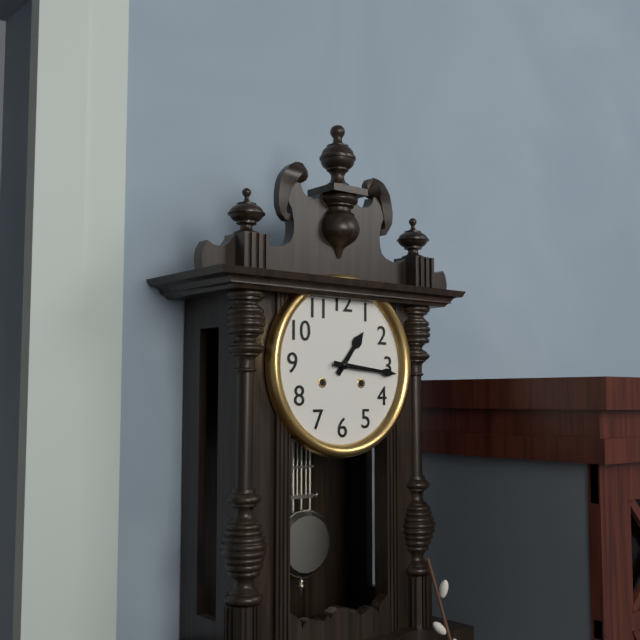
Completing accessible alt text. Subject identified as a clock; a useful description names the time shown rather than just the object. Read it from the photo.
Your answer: 1:16
